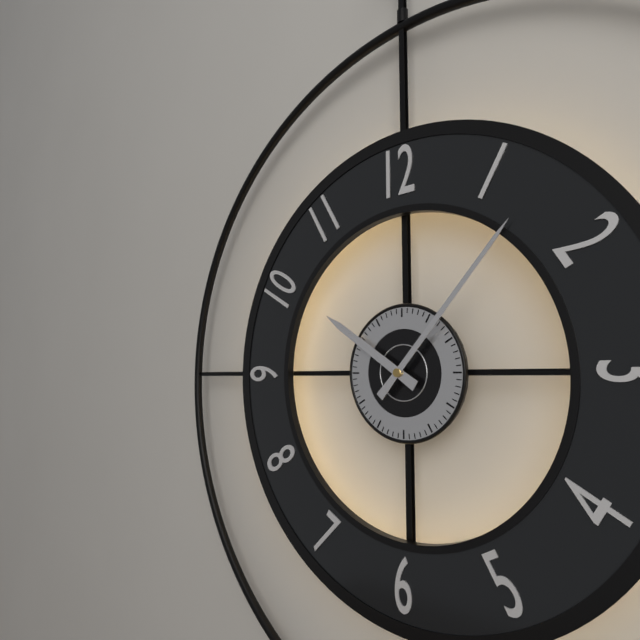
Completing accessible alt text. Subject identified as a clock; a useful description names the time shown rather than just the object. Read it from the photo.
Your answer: 10:07
